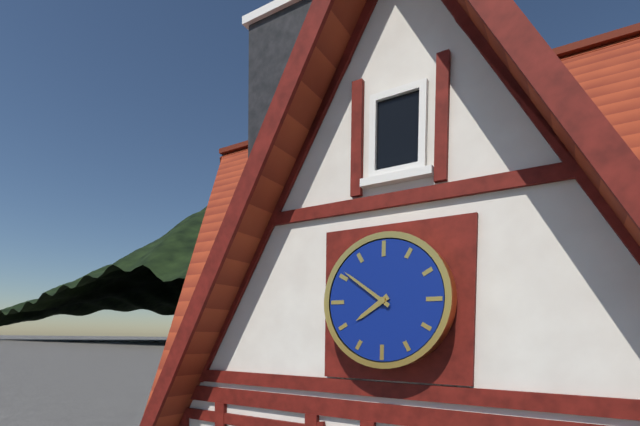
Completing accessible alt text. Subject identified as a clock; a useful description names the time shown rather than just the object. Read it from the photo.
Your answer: 7:51
